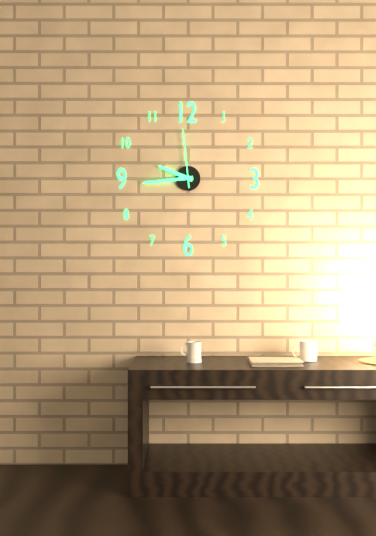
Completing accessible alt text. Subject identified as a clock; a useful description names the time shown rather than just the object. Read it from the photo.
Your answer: 9:44:59
